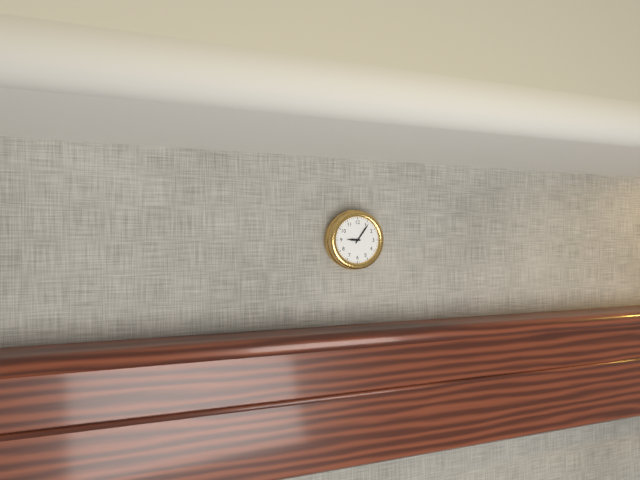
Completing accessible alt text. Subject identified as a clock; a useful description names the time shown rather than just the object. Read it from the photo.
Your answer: 9:06
